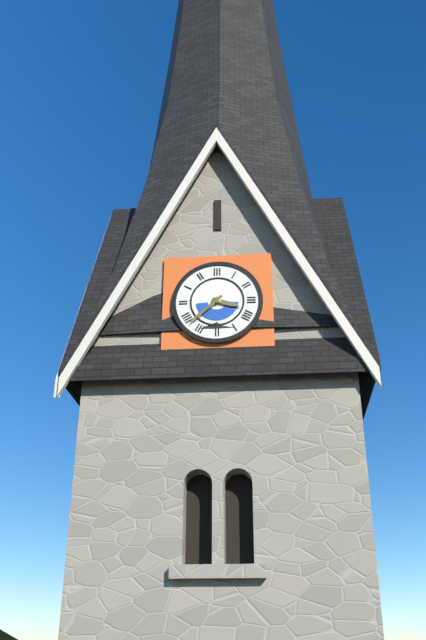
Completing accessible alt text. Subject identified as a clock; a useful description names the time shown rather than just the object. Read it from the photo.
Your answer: 3:38
